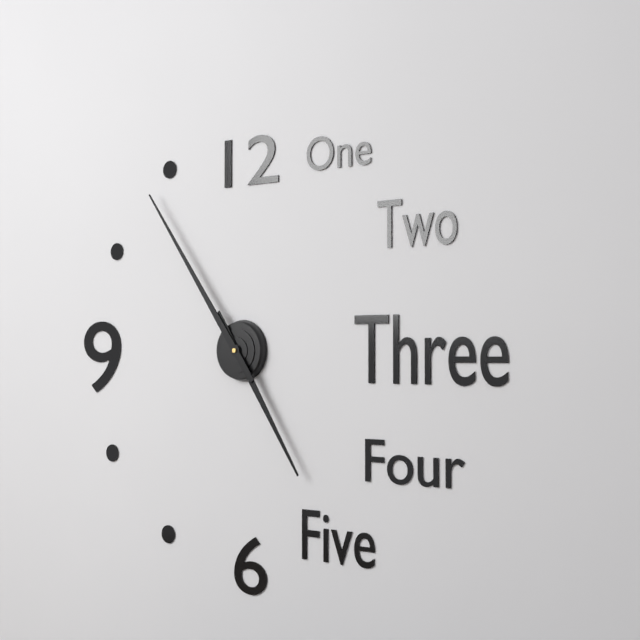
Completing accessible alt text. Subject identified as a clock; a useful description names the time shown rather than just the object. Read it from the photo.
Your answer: 4:54
